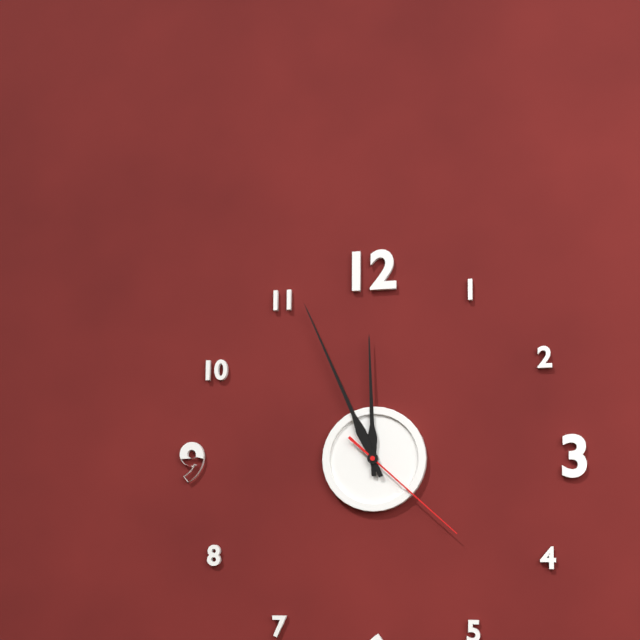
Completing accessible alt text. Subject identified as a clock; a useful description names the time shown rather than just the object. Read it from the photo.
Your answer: 11:56:22
